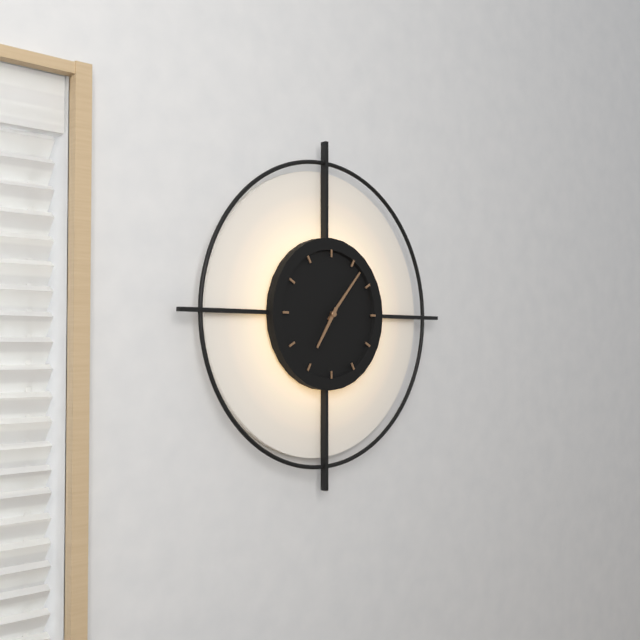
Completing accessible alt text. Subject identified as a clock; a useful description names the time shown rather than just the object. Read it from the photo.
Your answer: 7:07
